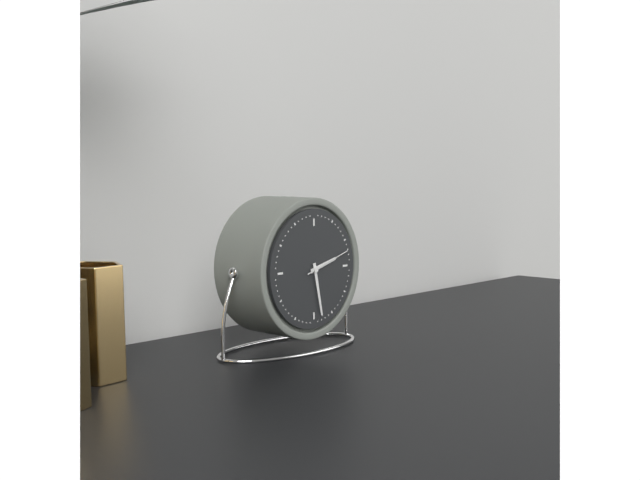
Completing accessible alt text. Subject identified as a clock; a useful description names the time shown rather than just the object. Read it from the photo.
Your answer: 2:28
